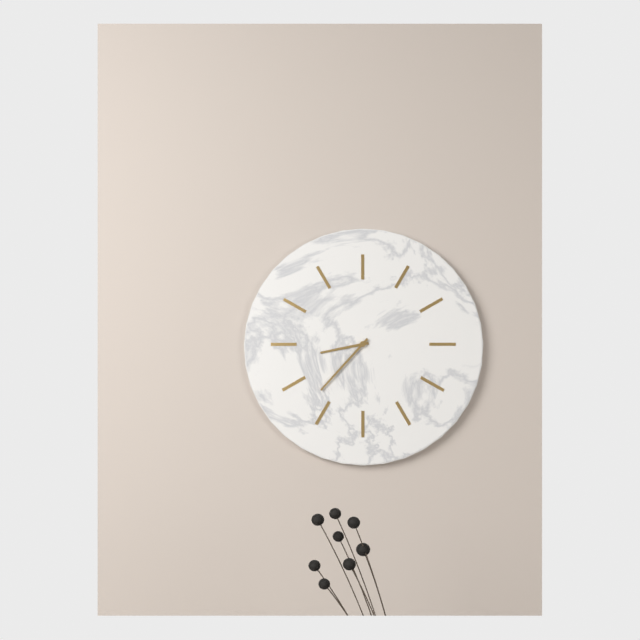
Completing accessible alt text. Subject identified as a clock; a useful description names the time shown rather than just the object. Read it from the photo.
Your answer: 8:37
